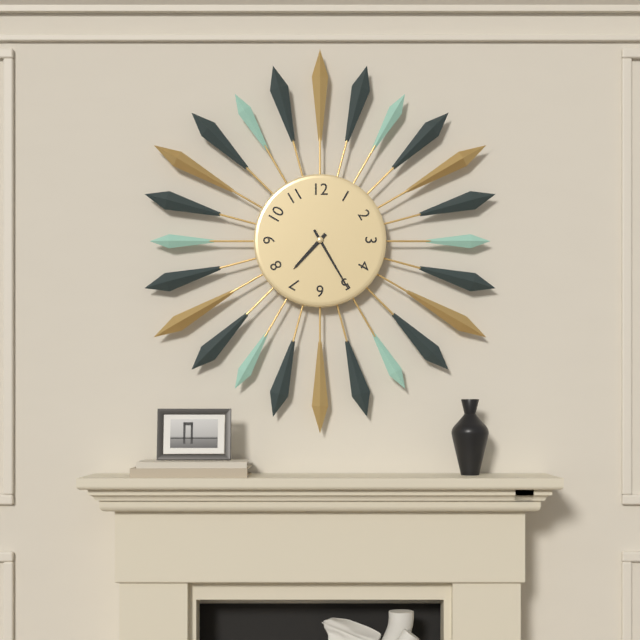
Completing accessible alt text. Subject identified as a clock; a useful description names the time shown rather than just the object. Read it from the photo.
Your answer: 7:25
